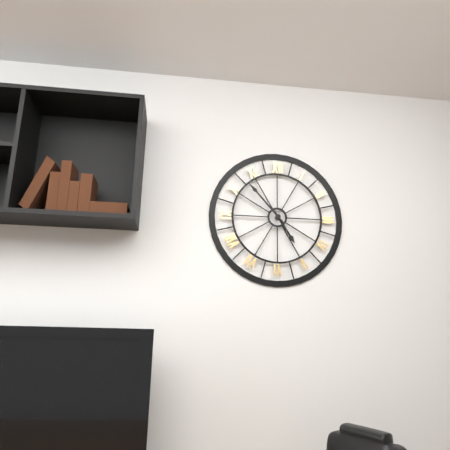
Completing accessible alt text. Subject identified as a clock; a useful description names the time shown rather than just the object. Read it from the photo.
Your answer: 4:53
